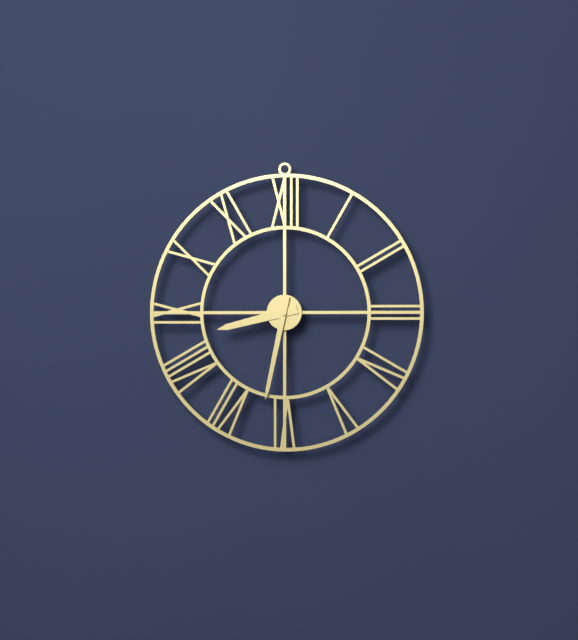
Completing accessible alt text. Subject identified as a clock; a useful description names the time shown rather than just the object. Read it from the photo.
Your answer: 8:32
